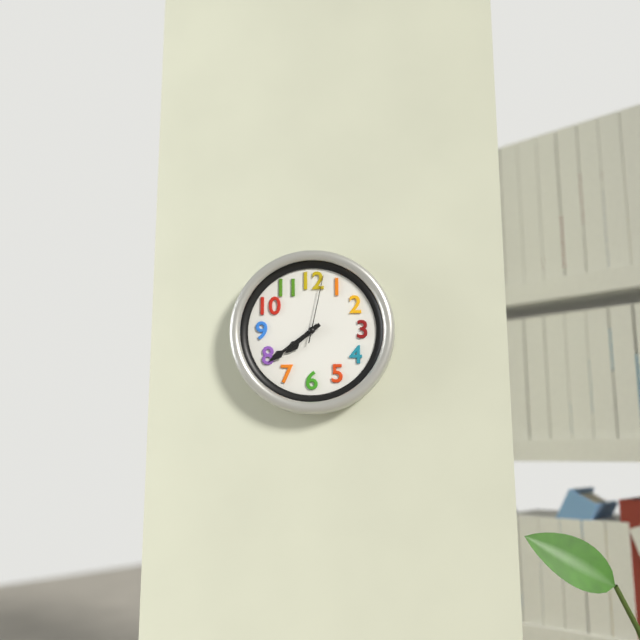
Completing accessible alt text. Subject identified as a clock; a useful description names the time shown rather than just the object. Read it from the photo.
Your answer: 7:39:02
